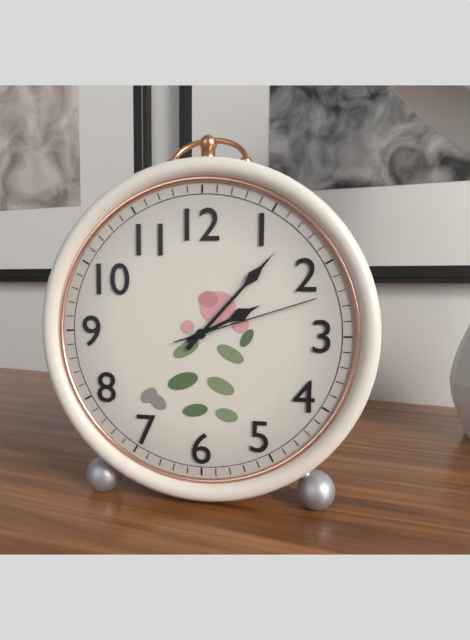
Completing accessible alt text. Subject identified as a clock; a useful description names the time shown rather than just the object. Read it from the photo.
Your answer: 2:07:12
